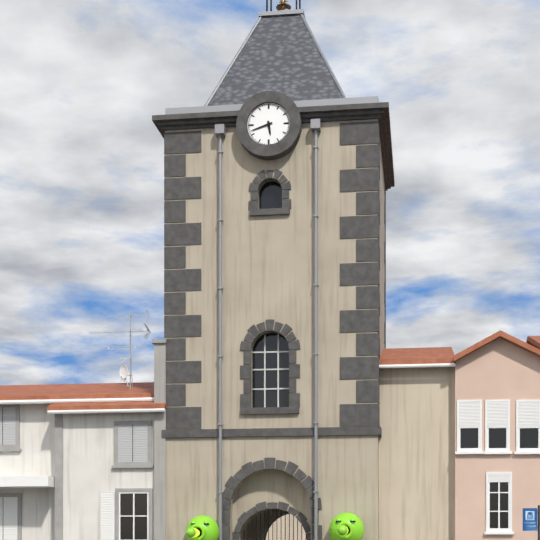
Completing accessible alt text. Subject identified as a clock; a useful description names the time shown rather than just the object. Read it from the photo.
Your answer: 5:42
